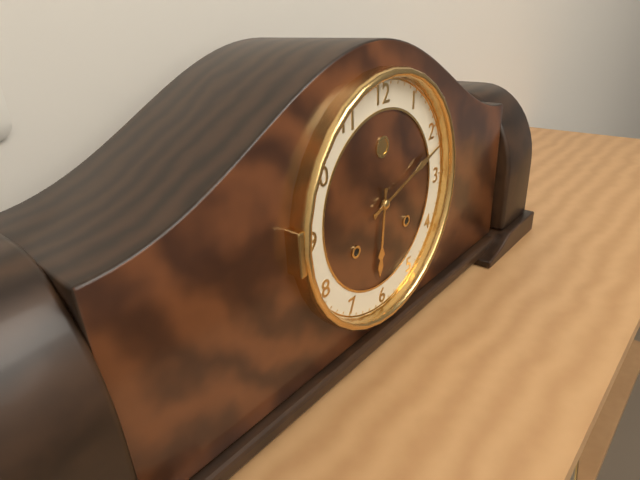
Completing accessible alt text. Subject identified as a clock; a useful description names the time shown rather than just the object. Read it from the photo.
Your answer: 6:12
